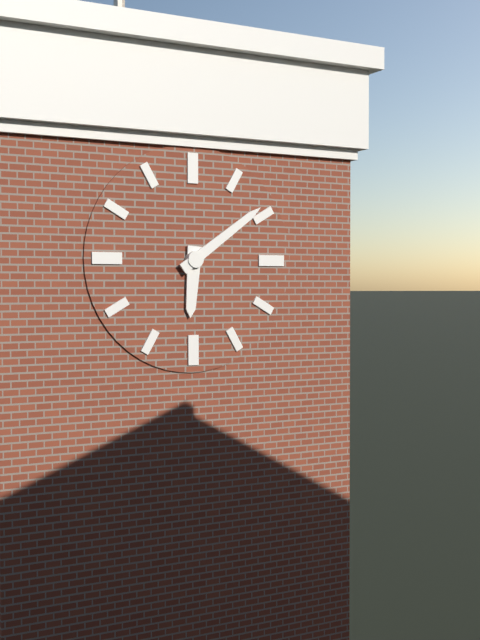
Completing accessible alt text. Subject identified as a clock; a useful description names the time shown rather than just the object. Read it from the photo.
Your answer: 6:09
